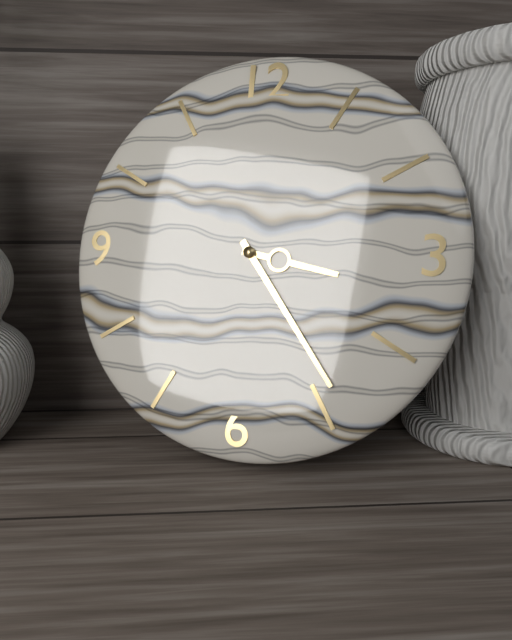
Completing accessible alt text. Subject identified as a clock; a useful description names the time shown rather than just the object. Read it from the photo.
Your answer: 3:24
